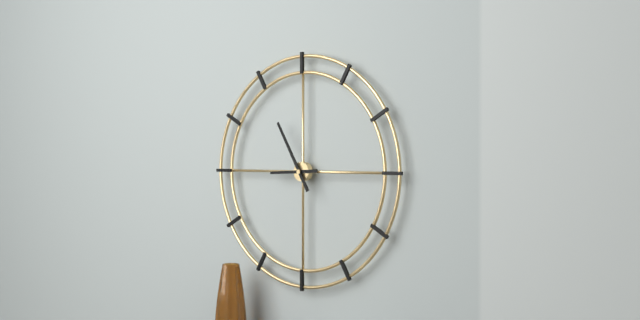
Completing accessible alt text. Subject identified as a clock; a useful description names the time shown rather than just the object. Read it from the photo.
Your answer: 8:55
